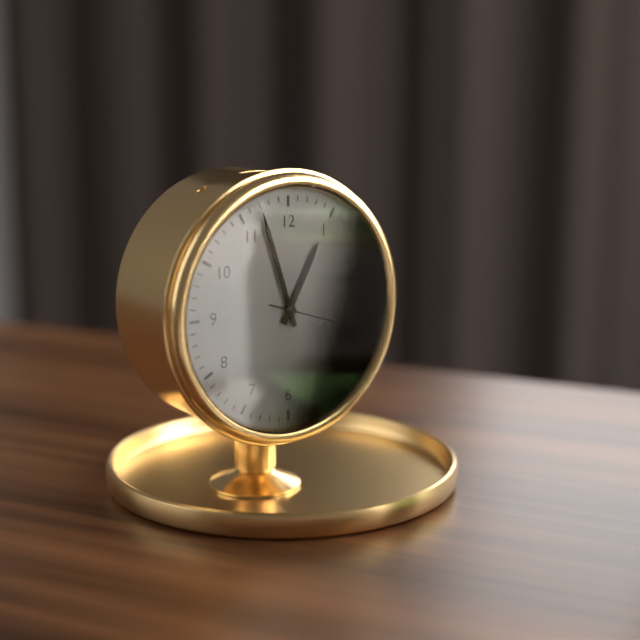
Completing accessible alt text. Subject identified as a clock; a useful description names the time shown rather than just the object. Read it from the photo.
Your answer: 12:57:18
